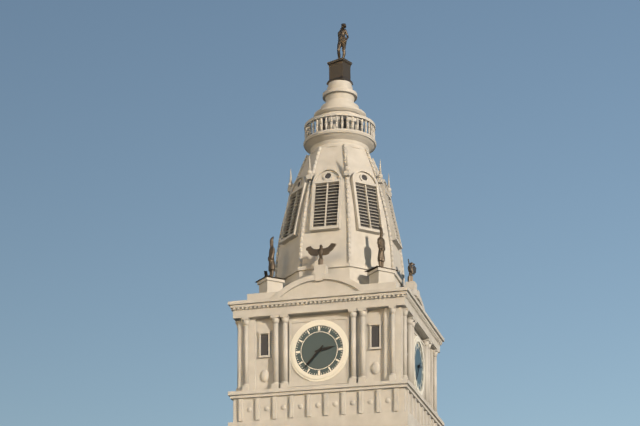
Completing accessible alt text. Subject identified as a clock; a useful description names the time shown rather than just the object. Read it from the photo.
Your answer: 2:37
